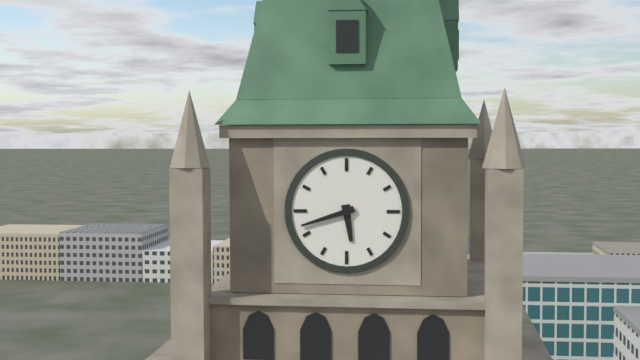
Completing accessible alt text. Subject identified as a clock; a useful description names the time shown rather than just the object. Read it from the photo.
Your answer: 5:42
